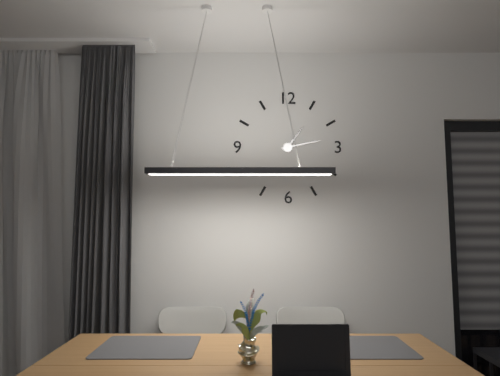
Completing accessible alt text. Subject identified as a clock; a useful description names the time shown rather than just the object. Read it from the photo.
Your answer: 1:13
